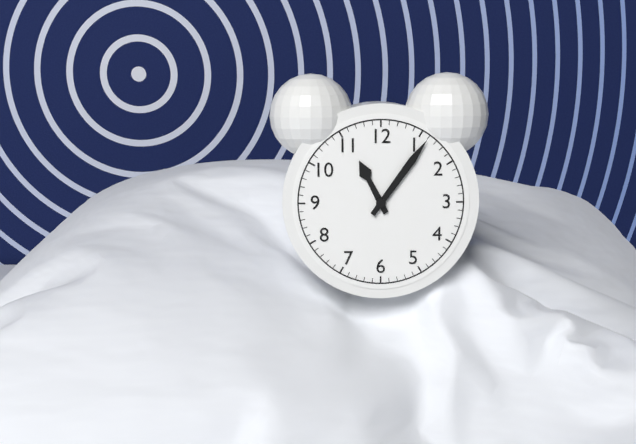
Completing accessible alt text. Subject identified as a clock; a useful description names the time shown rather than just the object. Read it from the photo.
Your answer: 11:06
